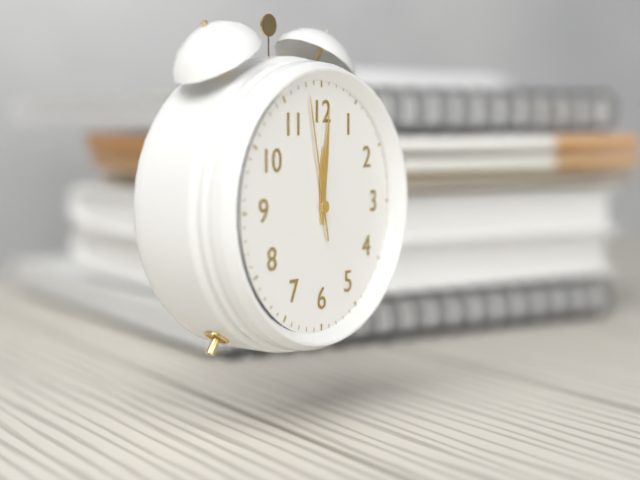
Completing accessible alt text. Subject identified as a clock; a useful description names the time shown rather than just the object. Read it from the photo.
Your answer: 12:01:58
